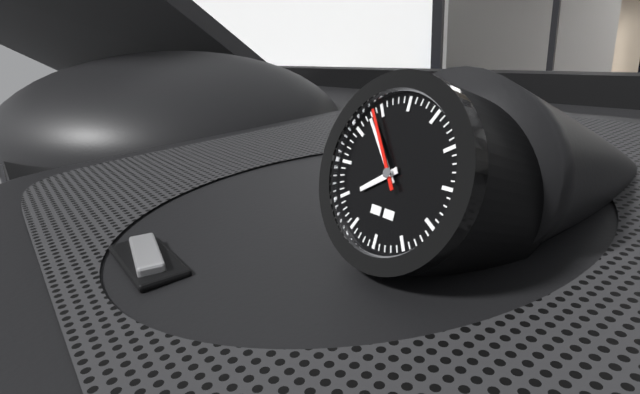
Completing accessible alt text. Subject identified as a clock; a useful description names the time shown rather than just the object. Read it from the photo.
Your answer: 7:53:54
